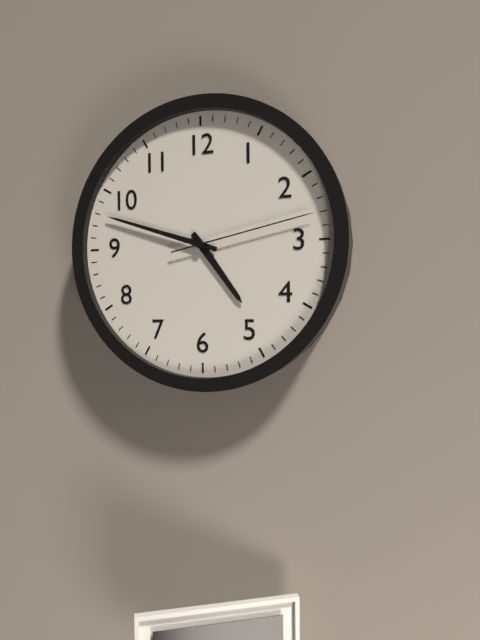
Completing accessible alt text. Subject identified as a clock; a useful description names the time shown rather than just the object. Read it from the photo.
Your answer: 4:48:13
